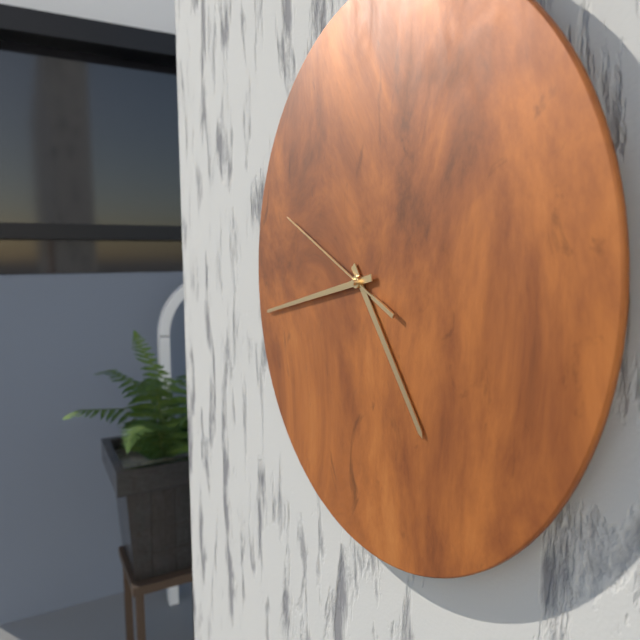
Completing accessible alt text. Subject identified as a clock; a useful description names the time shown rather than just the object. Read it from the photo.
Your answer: 4:43:49
